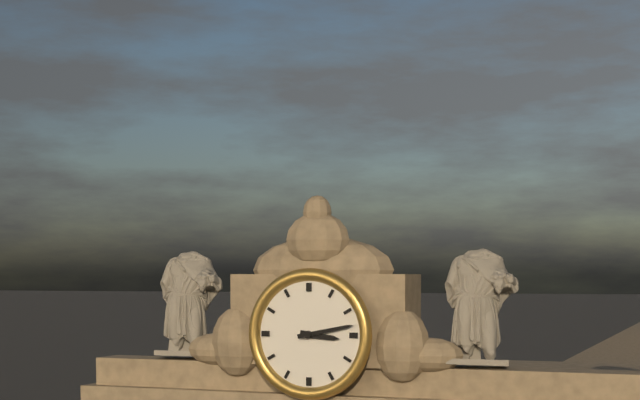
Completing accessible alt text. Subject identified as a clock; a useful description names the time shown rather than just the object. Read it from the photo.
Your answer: 3:13
